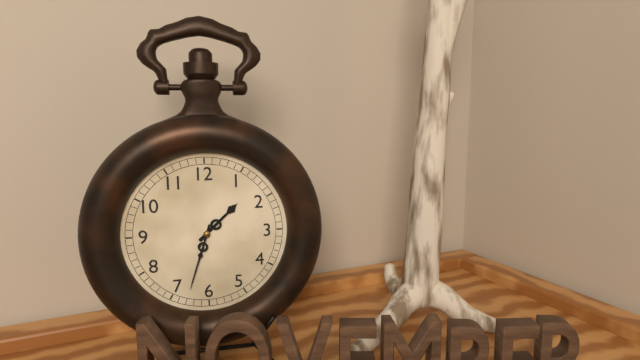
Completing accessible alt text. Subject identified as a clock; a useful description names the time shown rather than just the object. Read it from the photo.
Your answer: 1:33
